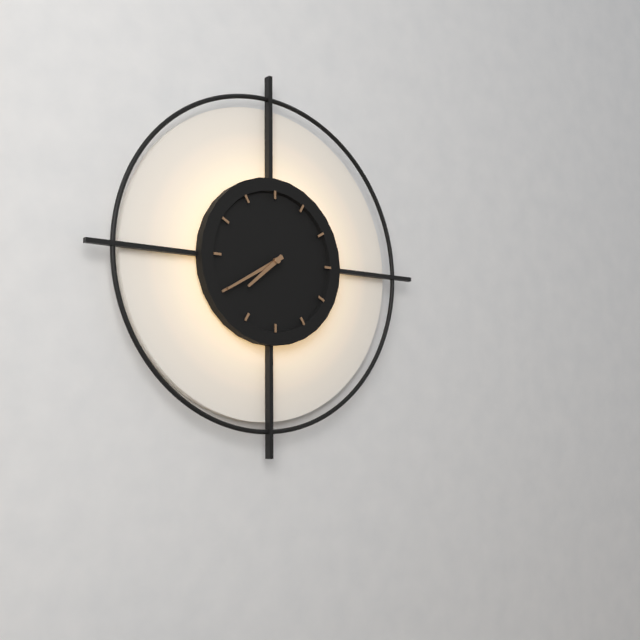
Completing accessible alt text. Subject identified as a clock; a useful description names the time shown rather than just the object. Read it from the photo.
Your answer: 7:40
